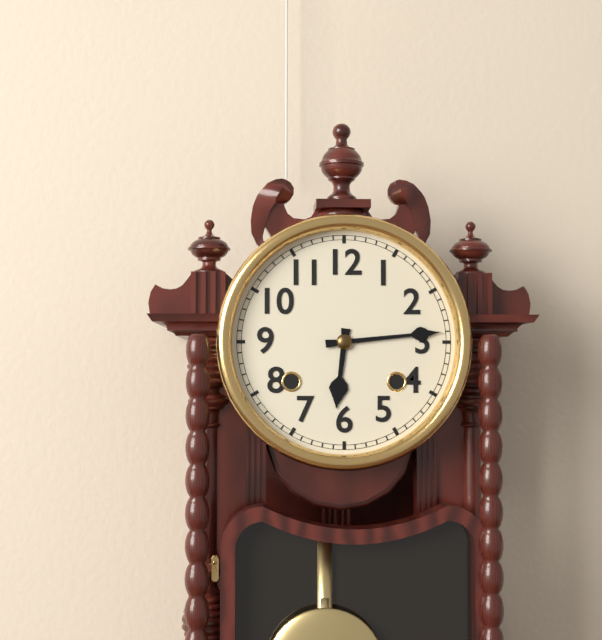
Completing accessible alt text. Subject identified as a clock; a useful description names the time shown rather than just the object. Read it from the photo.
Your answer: 6:14
